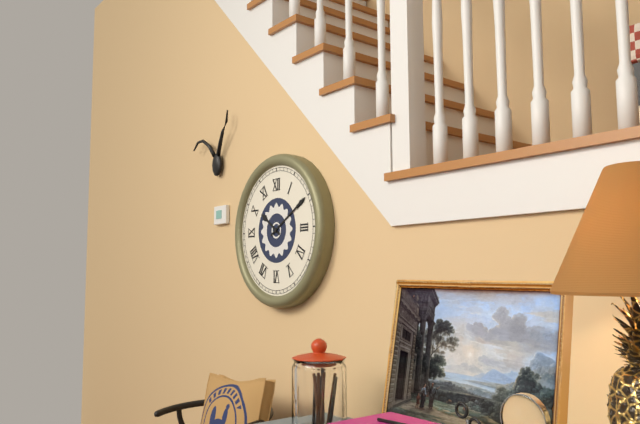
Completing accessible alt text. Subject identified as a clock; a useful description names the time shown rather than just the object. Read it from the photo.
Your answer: 10:10
